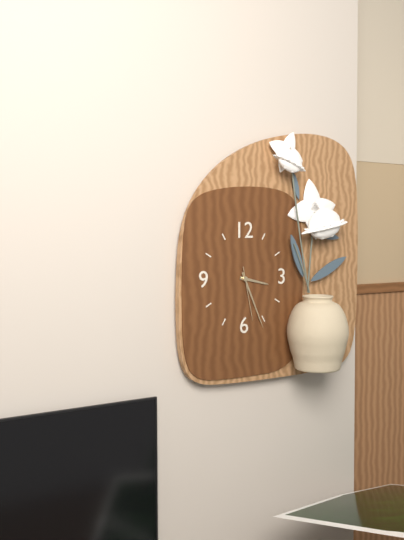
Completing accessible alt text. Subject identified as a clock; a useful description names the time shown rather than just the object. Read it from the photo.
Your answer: 3:26:28
